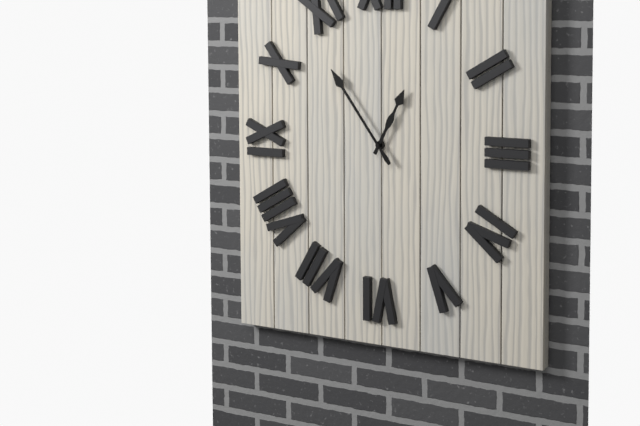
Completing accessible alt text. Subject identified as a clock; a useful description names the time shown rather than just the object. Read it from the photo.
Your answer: 12:54
